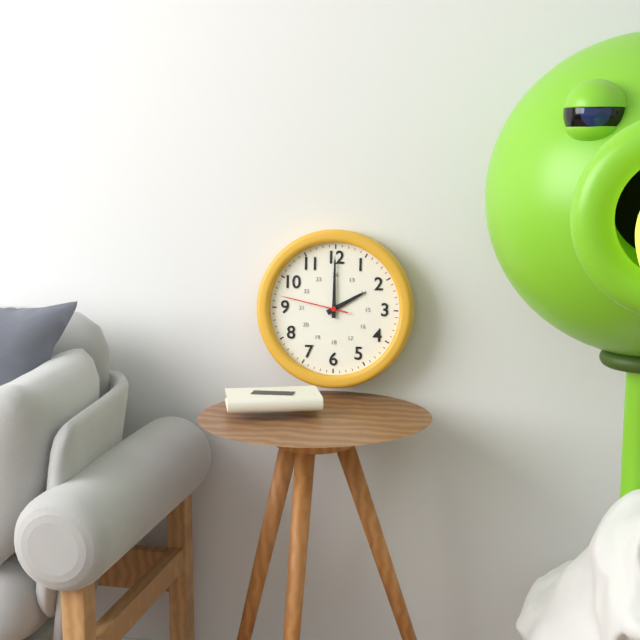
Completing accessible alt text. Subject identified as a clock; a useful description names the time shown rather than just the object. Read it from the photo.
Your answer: 2:00:47
